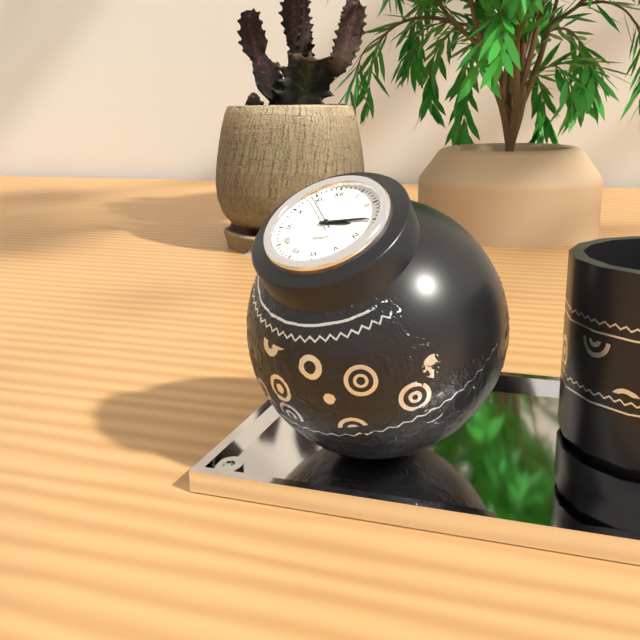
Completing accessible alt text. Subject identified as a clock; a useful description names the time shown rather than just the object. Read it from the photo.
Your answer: 3:15:54
